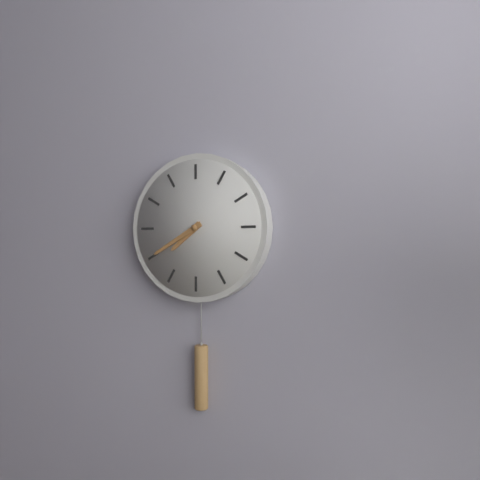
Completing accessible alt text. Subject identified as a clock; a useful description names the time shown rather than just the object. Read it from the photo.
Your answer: 7:40
